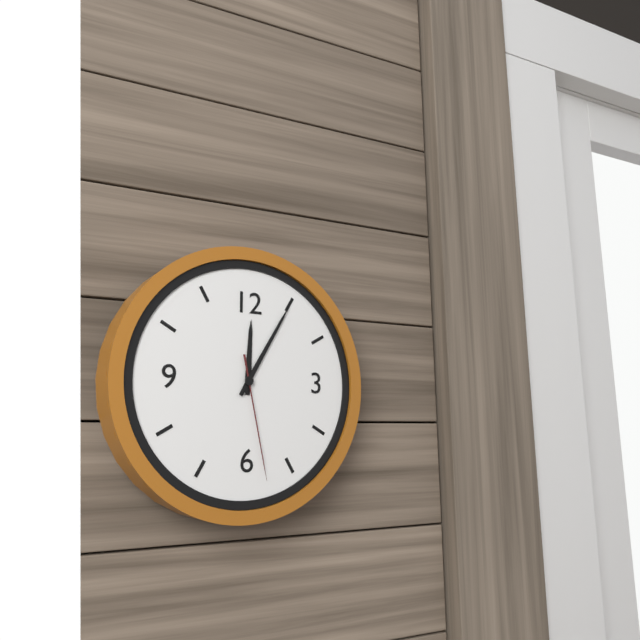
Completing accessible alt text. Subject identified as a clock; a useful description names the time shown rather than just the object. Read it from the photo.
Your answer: 12:05:28
